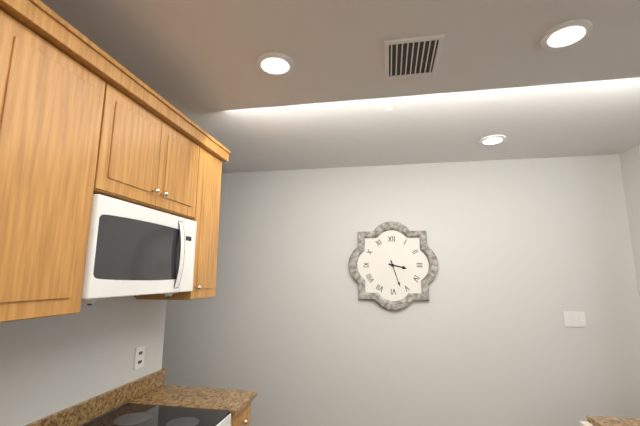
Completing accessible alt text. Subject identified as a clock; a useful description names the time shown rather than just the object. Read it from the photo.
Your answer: 3:27
